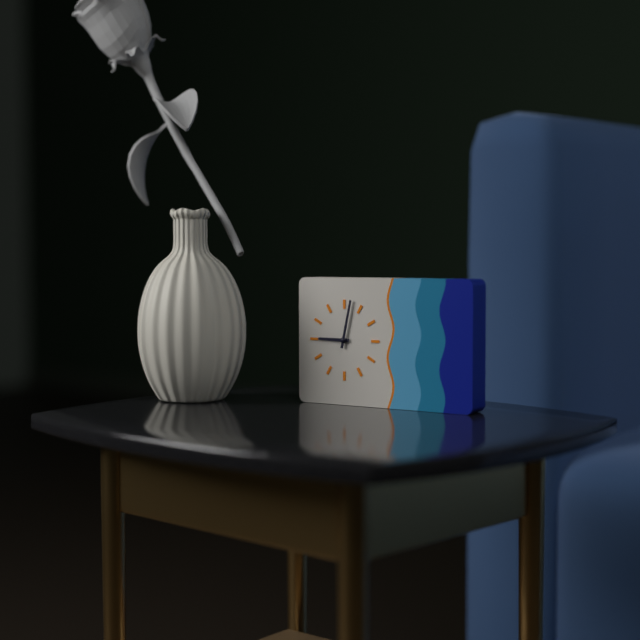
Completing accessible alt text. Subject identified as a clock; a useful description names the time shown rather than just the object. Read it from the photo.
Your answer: 9:02
